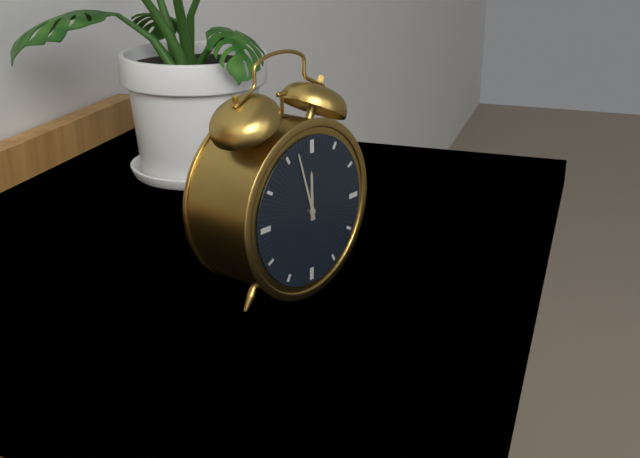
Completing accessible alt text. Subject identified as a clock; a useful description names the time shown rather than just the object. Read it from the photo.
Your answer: 11:57
